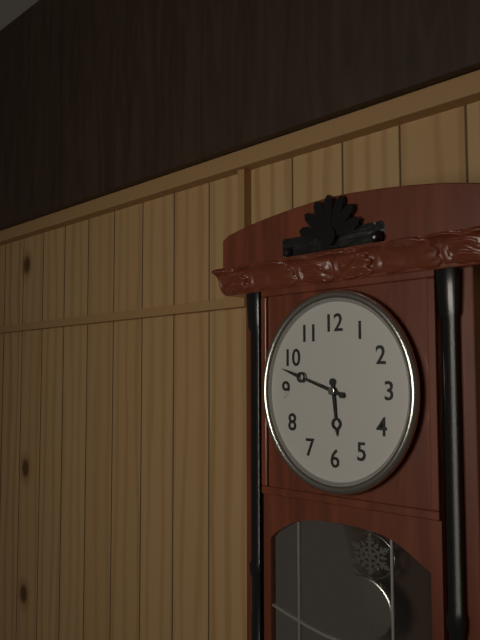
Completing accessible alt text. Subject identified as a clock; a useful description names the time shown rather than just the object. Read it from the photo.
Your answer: 5:48
